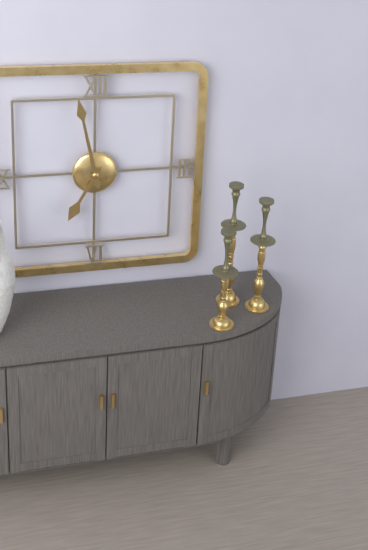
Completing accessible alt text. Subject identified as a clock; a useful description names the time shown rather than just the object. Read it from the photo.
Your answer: 6:58
